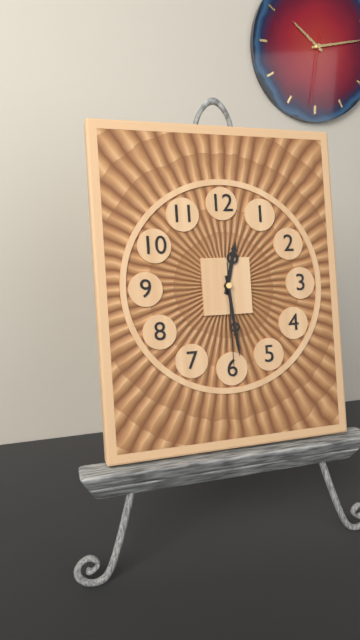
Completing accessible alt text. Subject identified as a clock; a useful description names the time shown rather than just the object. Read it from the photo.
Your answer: 12:29:30
